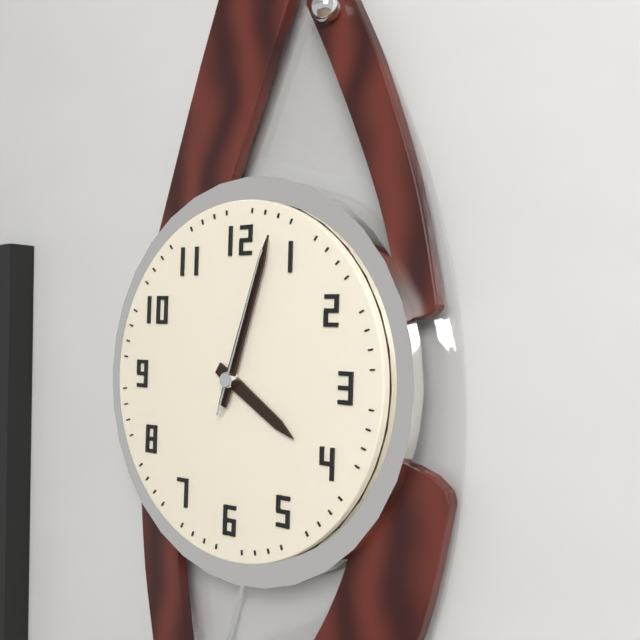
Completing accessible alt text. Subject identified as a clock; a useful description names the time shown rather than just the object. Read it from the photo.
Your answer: 4:03:03
